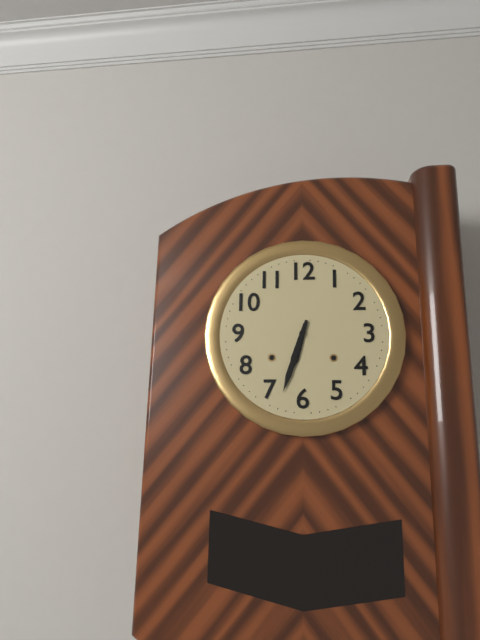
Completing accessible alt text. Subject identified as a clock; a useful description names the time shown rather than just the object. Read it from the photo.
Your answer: 6:33
